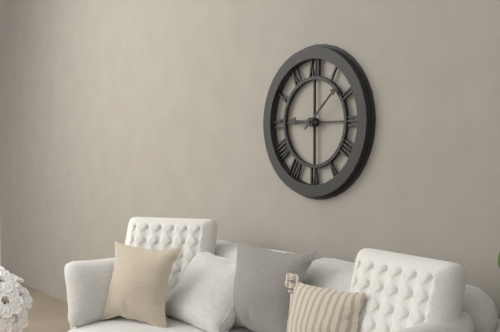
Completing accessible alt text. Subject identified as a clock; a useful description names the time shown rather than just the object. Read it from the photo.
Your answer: 9:08
